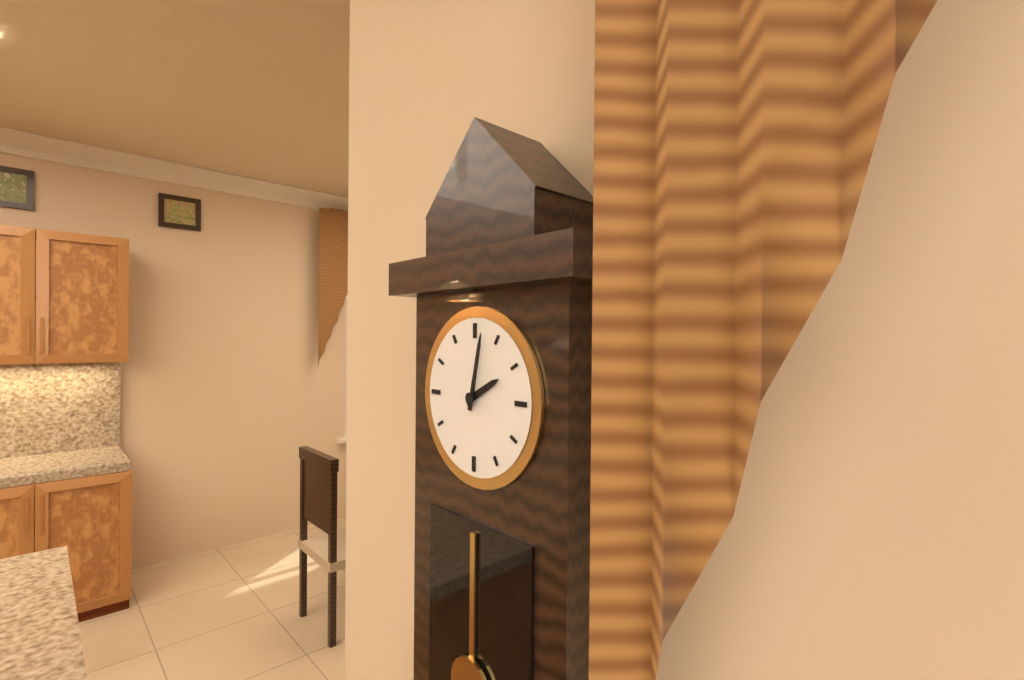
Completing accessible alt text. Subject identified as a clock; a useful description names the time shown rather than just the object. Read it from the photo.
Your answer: 2:02
